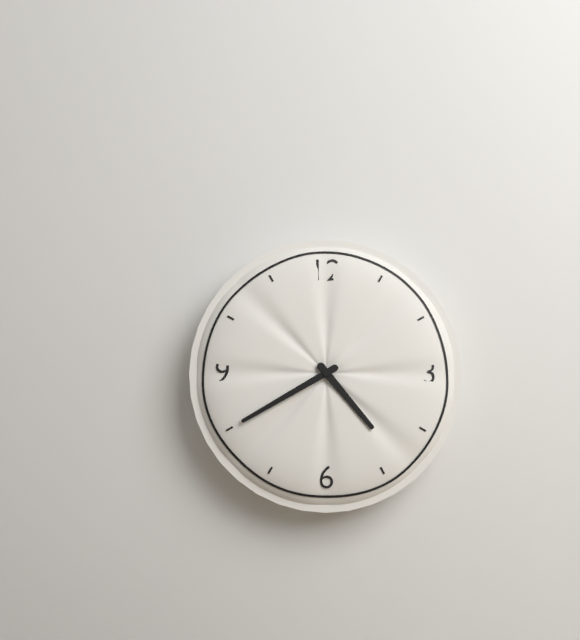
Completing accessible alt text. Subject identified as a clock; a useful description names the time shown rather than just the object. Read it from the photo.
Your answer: 4:40
